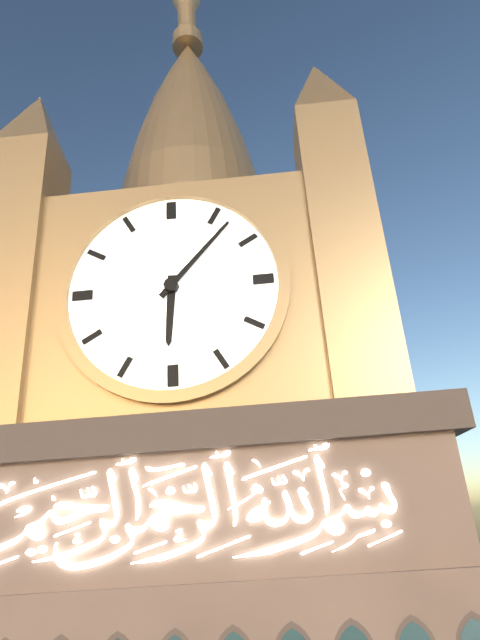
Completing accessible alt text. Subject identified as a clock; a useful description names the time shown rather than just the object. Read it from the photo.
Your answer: 6:07
